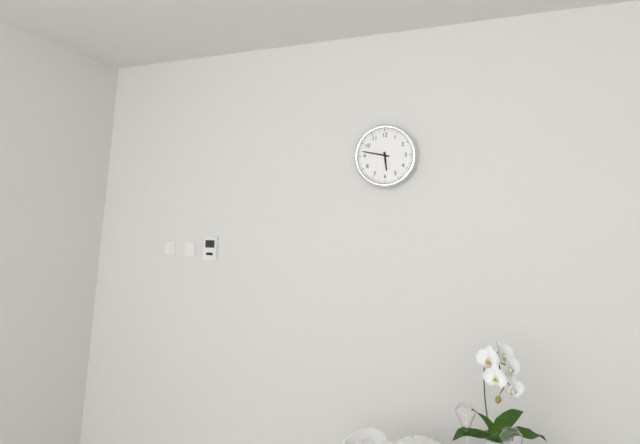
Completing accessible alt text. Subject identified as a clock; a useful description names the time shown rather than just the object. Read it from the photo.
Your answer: 5:47
